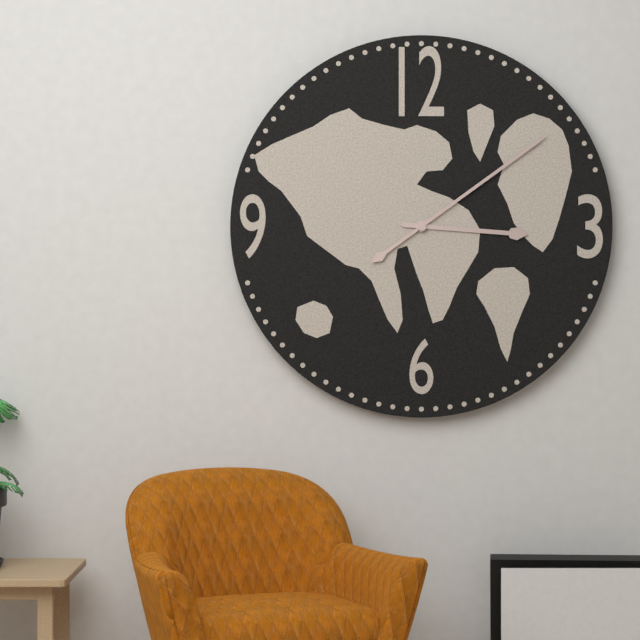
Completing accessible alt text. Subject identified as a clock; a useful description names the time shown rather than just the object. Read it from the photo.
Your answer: 3:09
